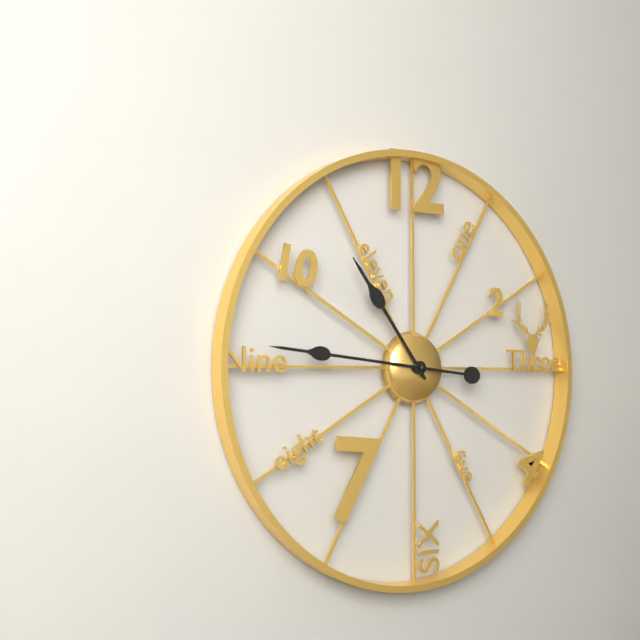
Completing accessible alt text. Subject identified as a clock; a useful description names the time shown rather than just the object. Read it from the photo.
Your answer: 10:46
